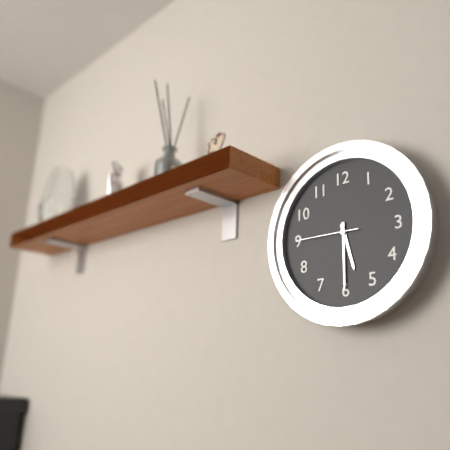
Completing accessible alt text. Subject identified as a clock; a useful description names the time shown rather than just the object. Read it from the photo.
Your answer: 5:30:45
